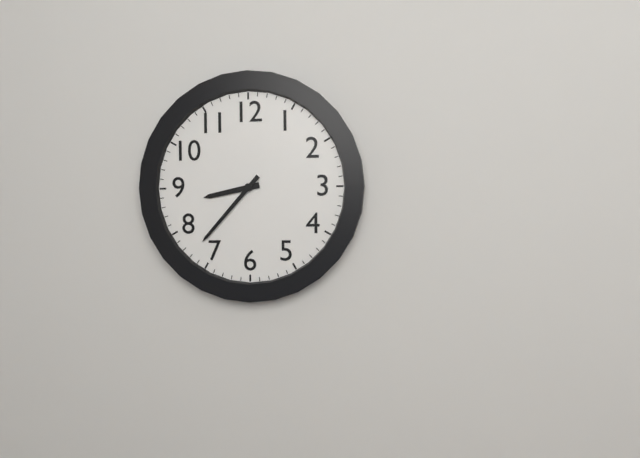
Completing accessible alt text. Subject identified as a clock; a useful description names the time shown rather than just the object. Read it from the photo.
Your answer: 8:37
